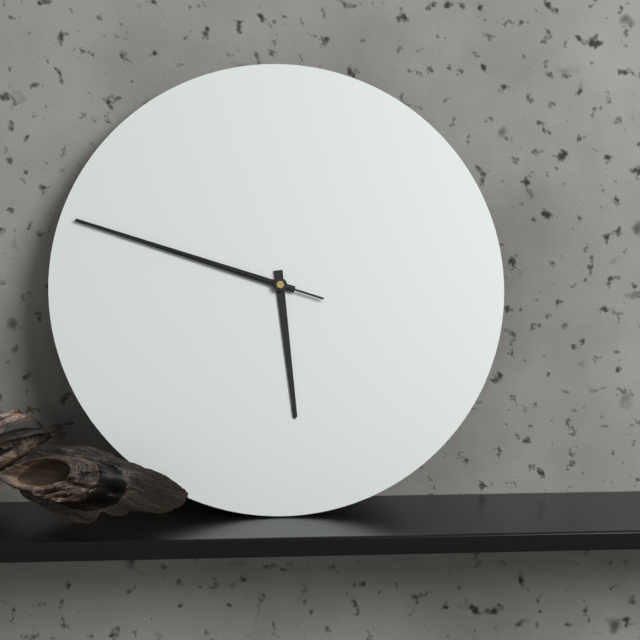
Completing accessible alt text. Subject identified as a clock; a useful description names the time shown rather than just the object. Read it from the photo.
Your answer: 5:48:48
